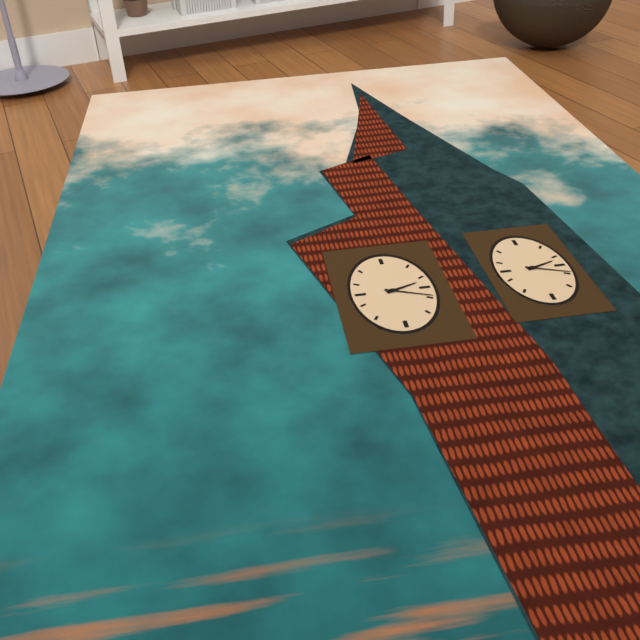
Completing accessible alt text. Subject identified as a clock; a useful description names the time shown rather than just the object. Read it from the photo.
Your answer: 2:19
